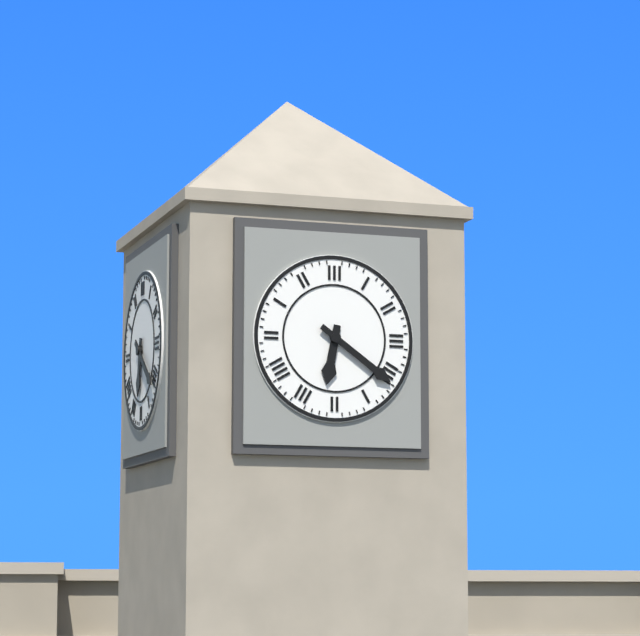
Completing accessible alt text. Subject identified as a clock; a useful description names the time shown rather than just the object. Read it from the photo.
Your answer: 6:21
